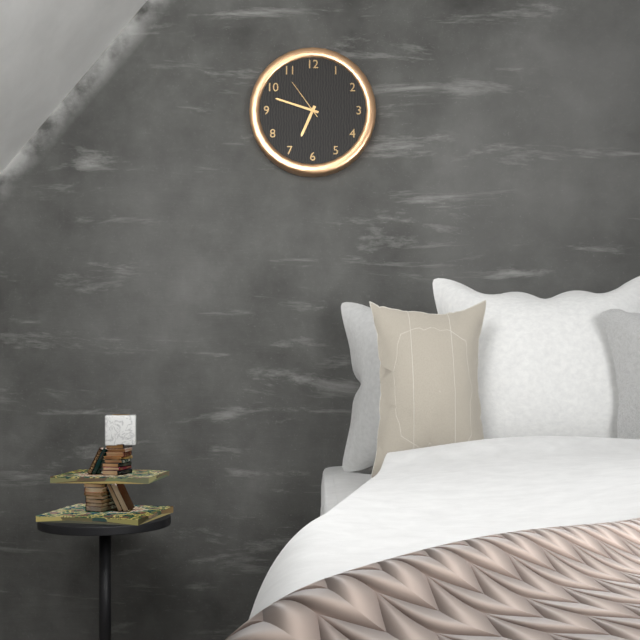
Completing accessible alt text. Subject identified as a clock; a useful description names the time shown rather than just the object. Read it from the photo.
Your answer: 6:48
